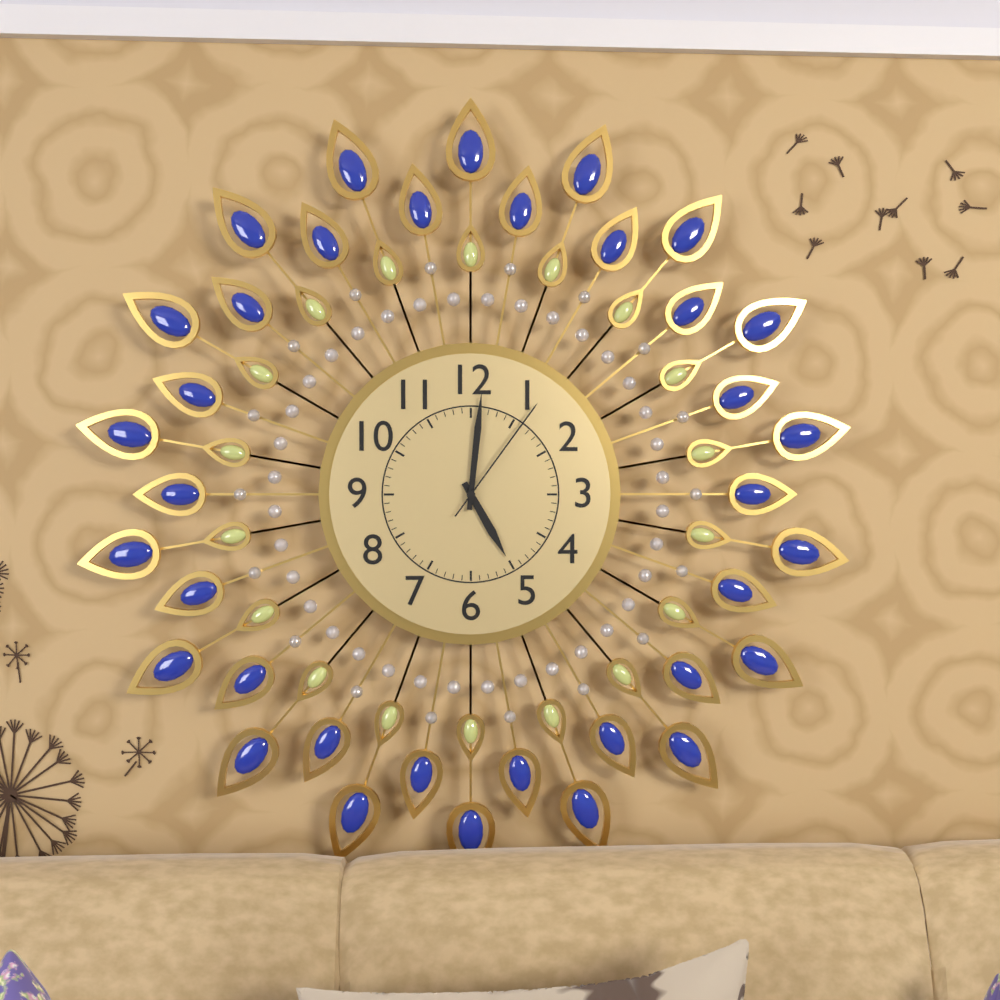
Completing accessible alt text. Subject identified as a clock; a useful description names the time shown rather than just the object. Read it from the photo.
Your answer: 5:01:06
